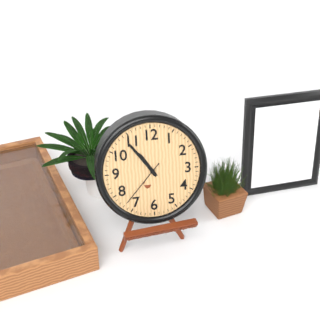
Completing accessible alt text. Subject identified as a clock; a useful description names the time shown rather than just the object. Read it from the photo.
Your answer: 10:54:37
